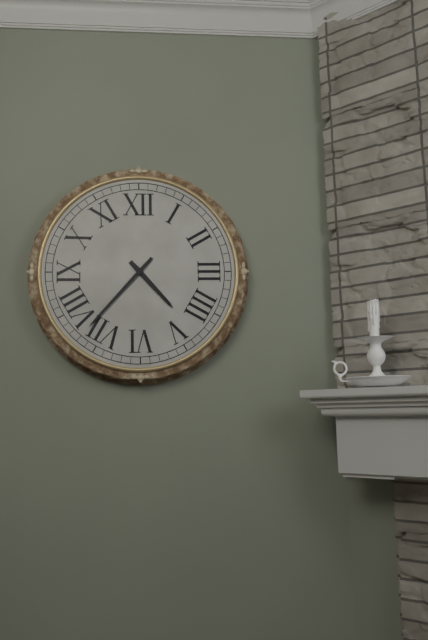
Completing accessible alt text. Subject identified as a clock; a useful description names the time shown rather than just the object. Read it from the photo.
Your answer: 4:37
